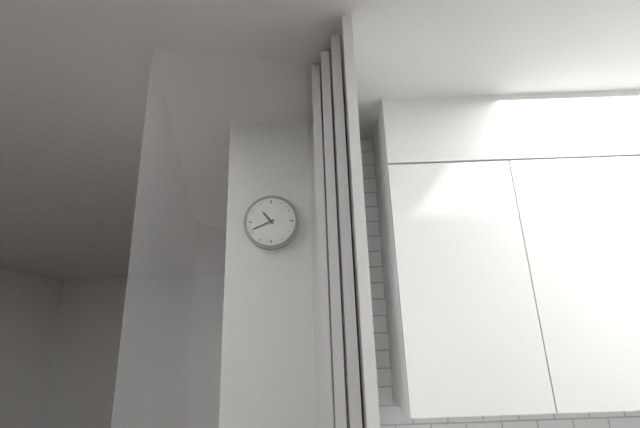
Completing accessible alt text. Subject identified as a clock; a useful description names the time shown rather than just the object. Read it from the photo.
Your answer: 10:41
